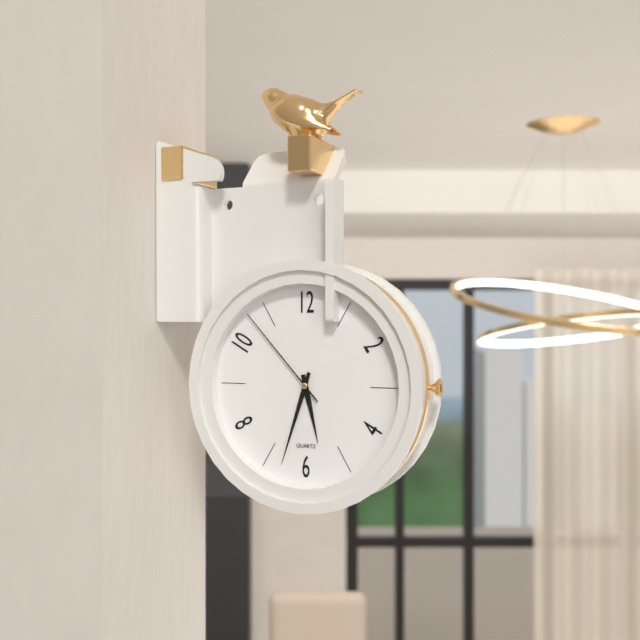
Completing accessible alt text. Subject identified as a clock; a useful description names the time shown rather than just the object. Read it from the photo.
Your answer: 5:33:53
